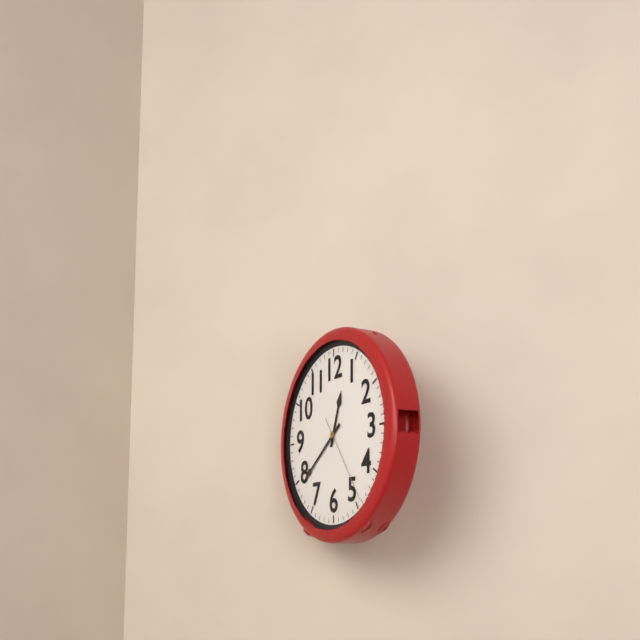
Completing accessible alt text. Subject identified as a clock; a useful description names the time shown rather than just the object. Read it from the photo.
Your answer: 12:39:24
